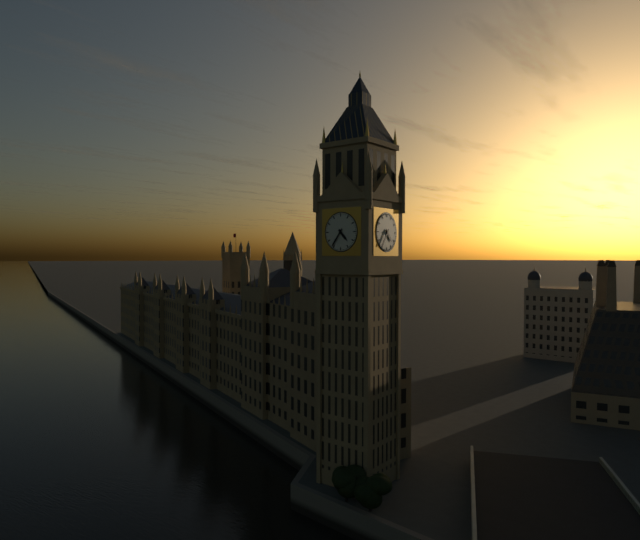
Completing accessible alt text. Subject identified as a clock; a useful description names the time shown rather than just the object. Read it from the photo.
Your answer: 4:36
